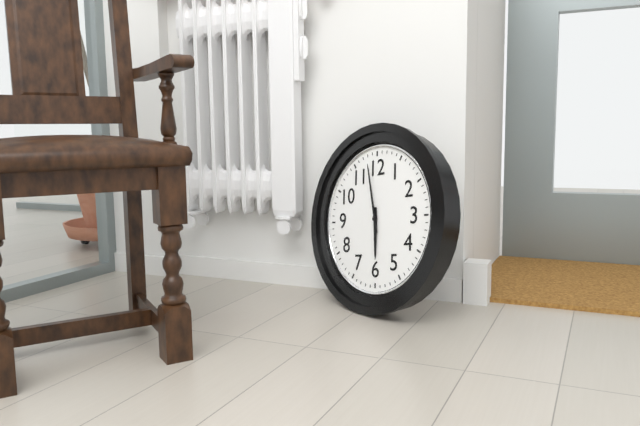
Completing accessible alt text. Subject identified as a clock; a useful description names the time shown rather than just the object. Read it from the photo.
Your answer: 5:58
